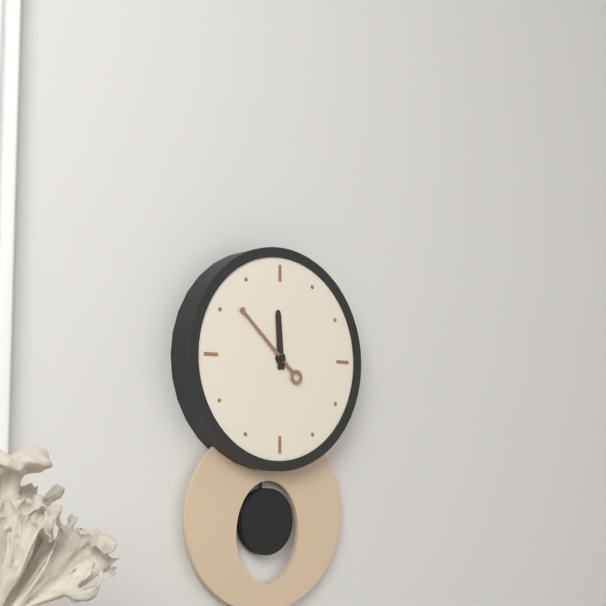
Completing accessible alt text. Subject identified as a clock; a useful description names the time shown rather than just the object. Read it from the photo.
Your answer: 11:52
